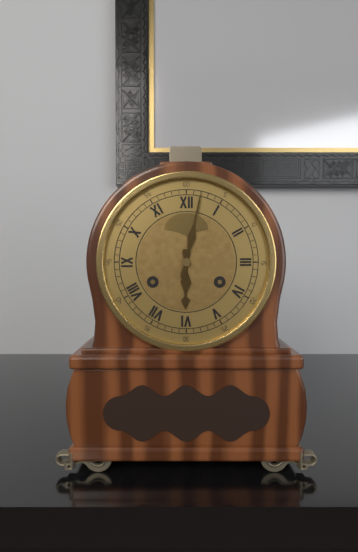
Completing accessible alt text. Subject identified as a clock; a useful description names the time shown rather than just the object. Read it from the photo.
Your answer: 6:02
